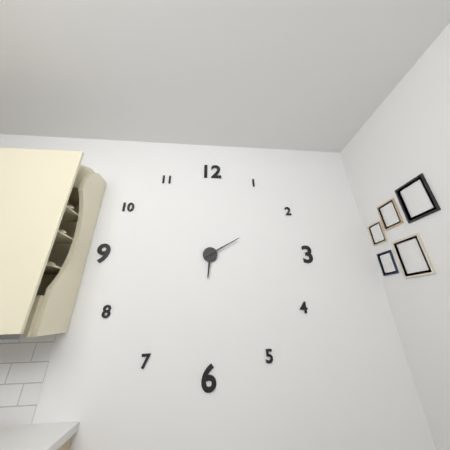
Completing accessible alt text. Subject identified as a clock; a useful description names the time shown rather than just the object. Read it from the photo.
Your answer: 6:10
